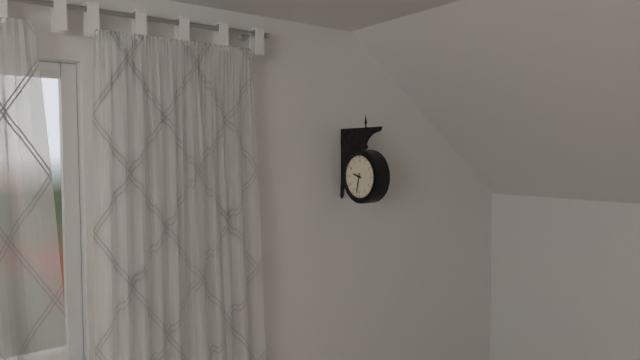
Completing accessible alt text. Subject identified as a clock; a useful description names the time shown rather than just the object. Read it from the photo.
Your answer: 9:32
